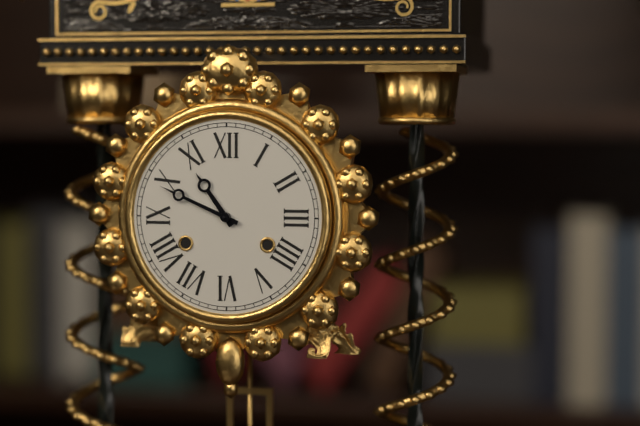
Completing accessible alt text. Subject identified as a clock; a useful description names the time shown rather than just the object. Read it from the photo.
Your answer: 10:49
